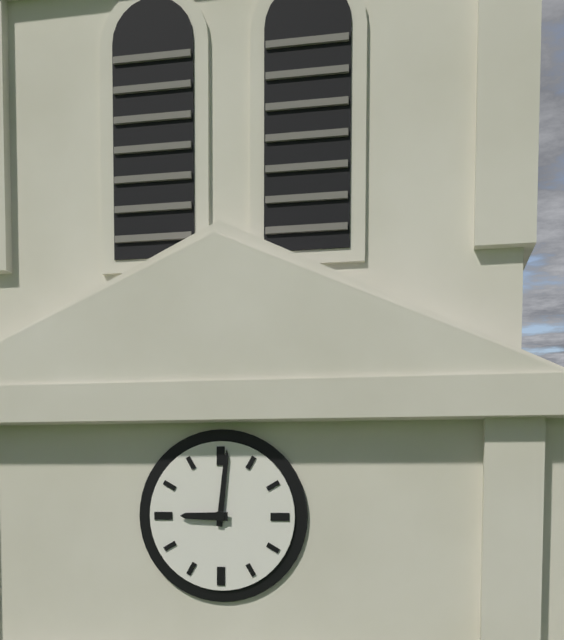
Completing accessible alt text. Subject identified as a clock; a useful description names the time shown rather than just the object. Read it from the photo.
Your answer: 9:01
